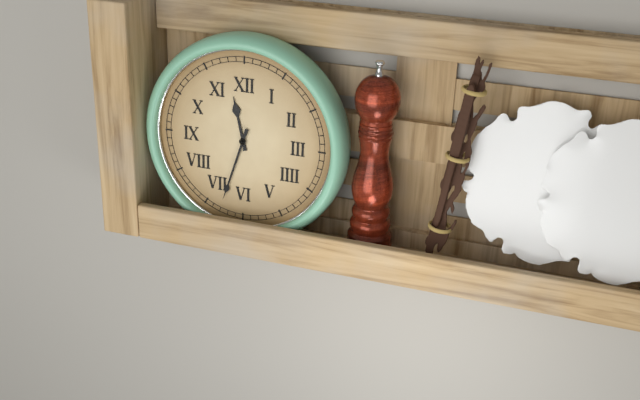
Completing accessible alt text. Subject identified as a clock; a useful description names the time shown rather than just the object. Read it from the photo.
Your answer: 11:33
